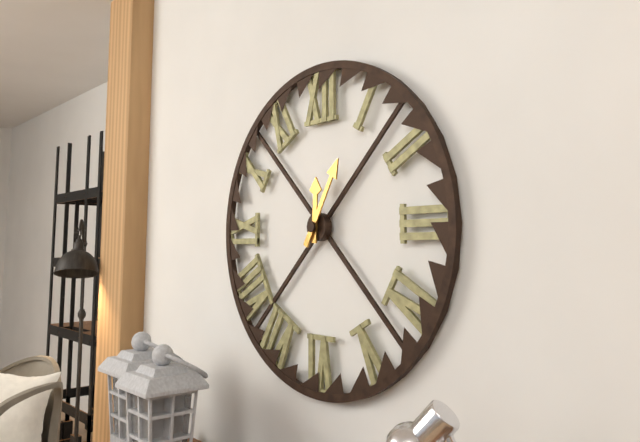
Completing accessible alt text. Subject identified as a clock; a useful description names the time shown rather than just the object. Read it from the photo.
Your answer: 12:05
